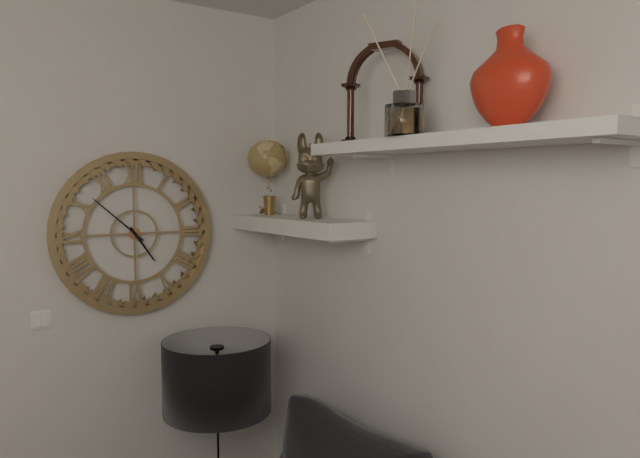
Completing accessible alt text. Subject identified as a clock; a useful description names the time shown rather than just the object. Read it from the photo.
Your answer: 4:52
